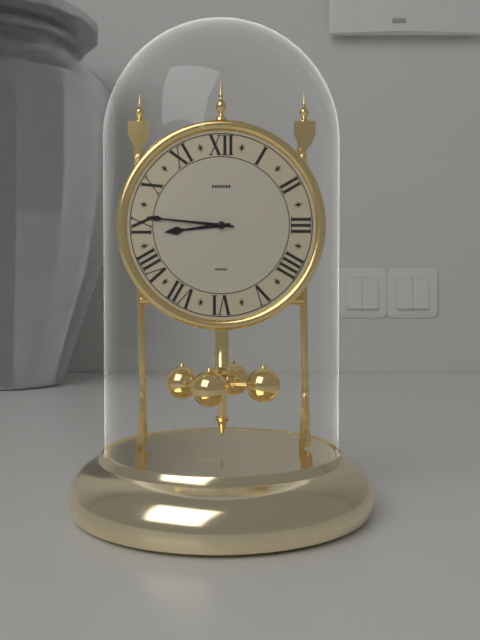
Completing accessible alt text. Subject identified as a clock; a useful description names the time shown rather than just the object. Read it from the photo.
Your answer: 8:46
